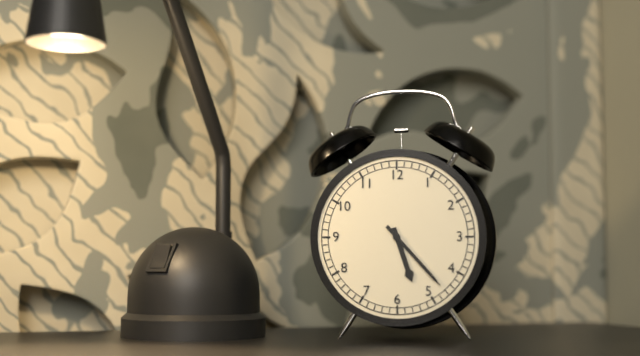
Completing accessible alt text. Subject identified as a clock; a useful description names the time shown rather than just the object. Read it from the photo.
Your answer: 5:23
